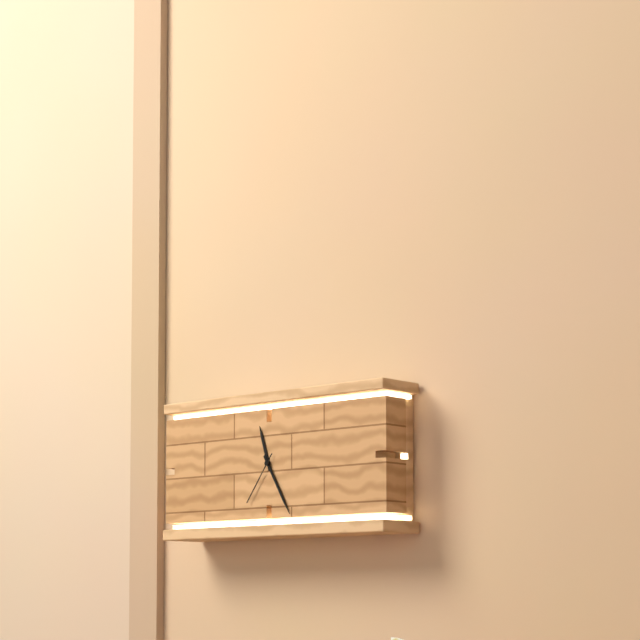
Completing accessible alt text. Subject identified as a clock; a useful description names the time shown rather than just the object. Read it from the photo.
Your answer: 11:25:36
